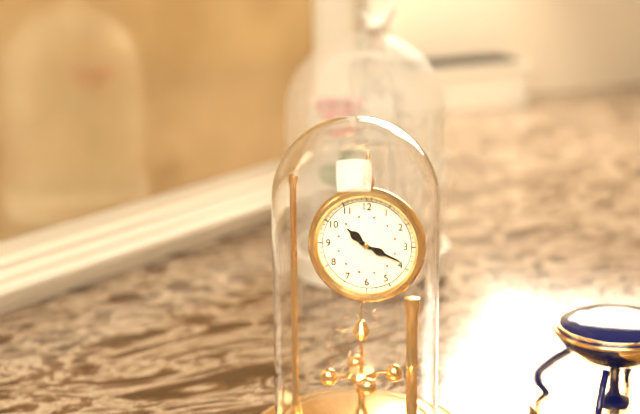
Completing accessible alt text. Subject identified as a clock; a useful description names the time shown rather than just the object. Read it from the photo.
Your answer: 10:19
